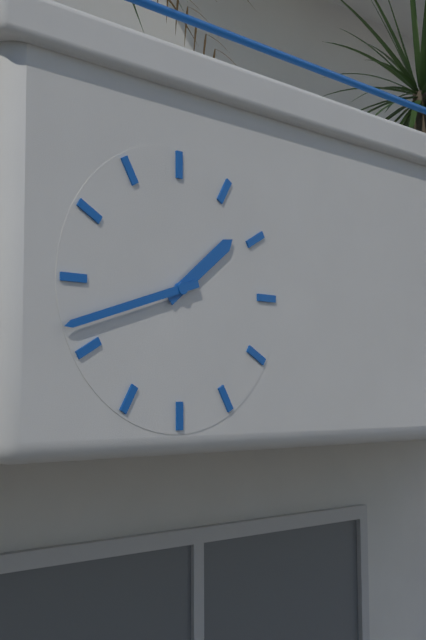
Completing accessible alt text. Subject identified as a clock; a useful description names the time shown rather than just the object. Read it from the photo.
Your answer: 1:42
